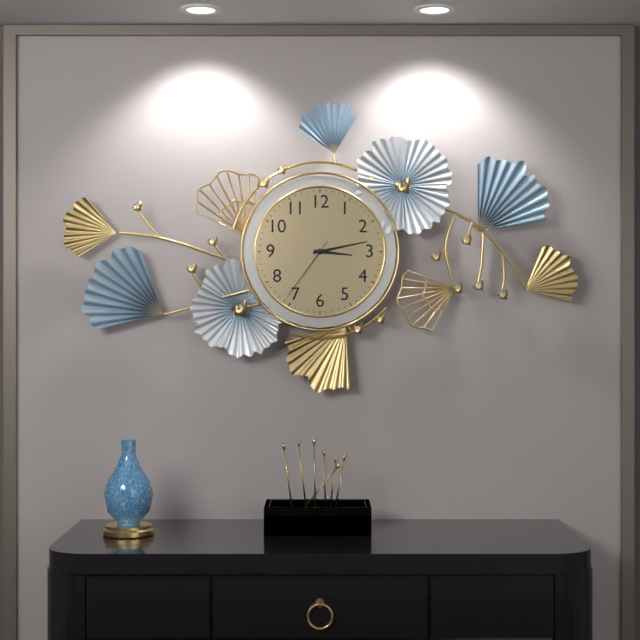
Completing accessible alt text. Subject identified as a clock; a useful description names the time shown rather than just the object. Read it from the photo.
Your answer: 3:13:36
